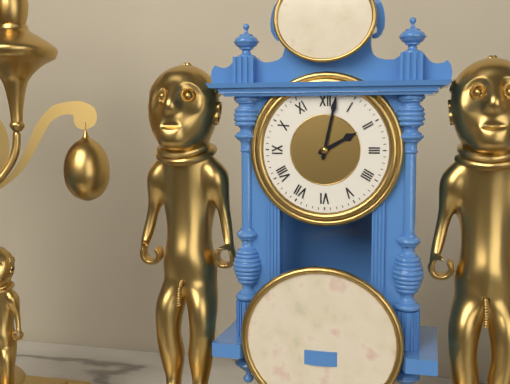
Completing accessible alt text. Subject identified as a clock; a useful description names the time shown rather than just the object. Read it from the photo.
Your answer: 2:02
